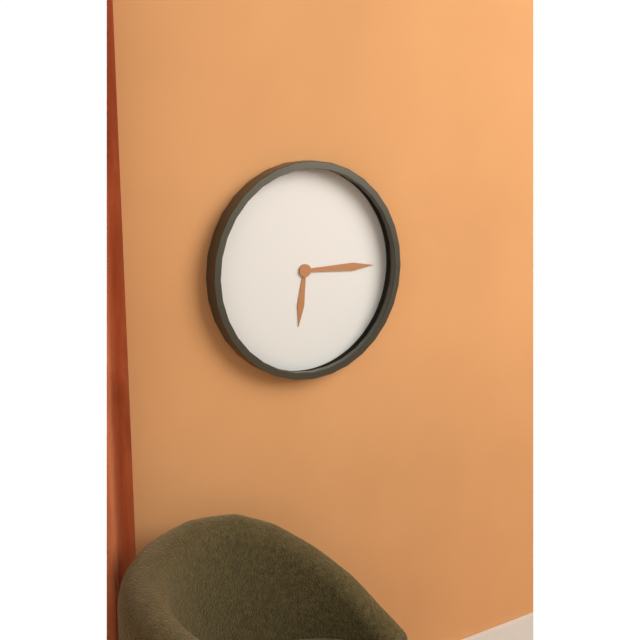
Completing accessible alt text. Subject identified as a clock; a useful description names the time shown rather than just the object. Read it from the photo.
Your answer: 6:15
